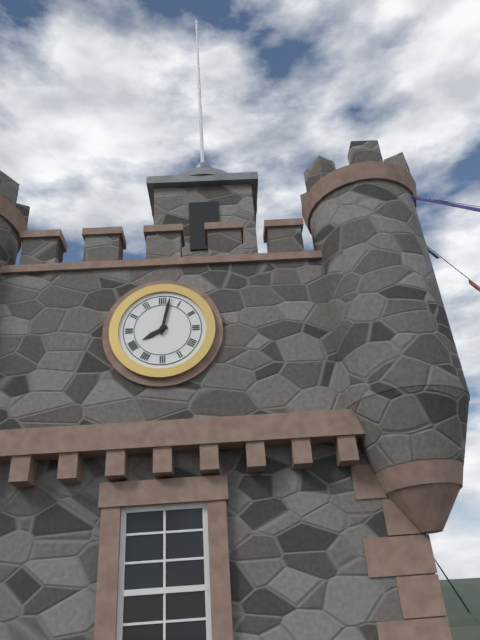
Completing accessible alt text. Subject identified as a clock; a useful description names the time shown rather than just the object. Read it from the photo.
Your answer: 8:02
